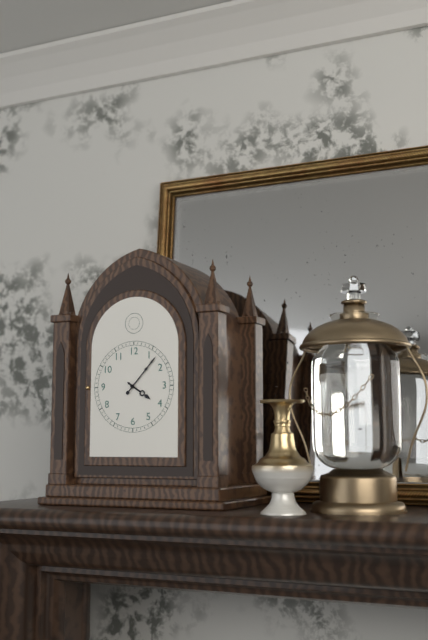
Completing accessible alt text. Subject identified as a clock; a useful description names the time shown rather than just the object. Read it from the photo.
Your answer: 4:07
